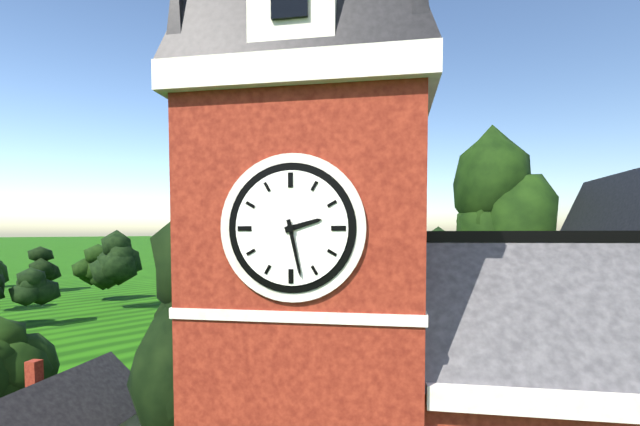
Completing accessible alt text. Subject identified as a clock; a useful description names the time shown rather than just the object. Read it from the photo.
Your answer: 2:28
